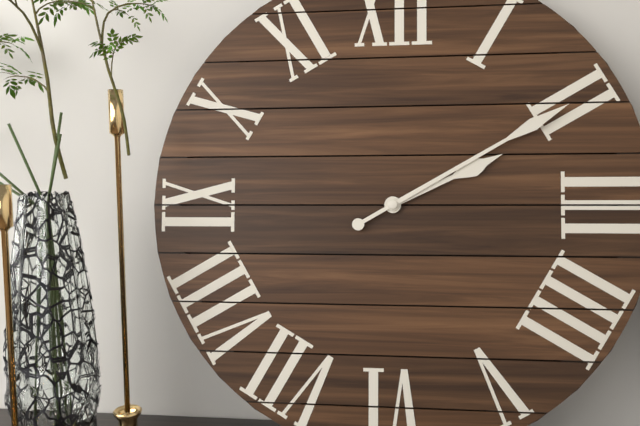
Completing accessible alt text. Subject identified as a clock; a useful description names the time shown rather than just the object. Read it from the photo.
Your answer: 2:10
